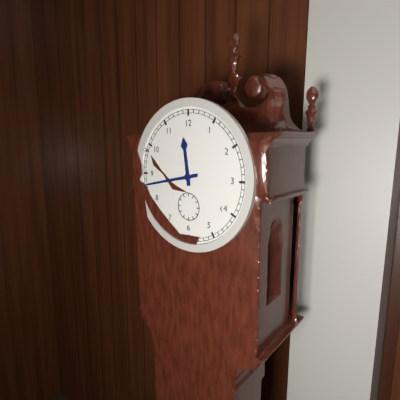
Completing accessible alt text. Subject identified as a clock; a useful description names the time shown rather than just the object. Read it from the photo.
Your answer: 11:43
